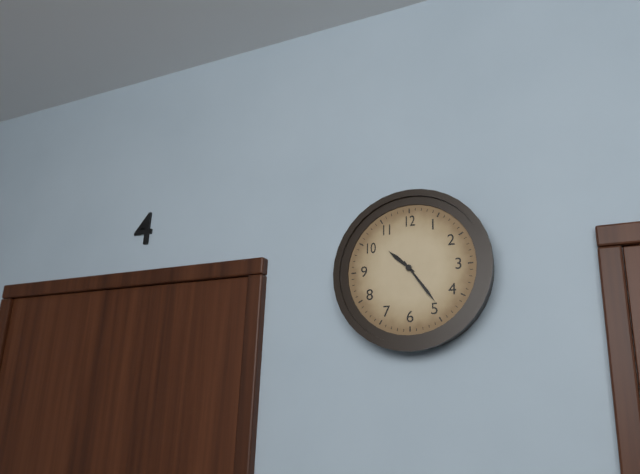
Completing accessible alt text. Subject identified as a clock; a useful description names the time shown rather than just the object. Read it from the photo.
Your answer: 10:24
